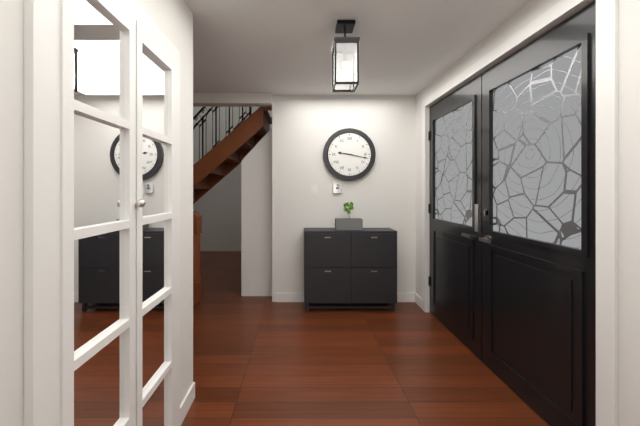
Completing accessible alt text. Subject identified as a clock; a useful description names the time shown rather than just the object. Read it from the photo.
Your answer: 9:17
